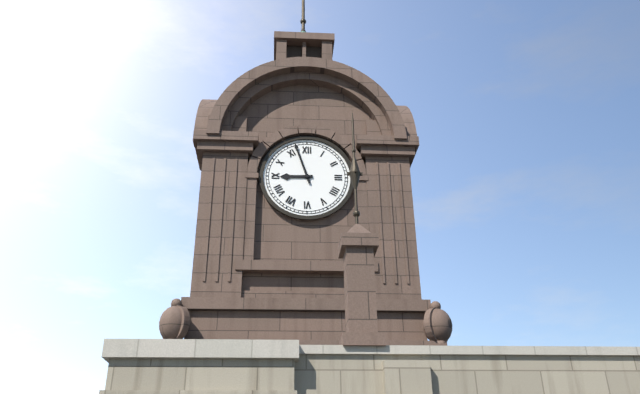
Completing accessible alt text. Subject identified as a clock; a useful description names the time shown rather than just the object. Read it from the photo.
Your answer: 8:57
